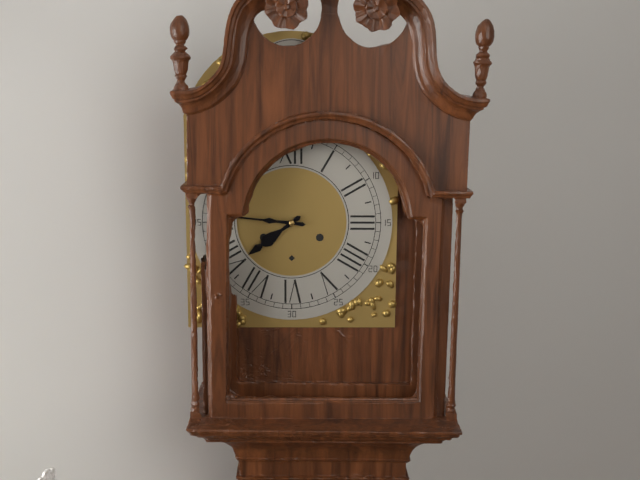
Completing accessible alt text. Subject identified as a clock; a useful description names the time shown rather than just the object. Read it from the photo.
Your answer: 7:46
